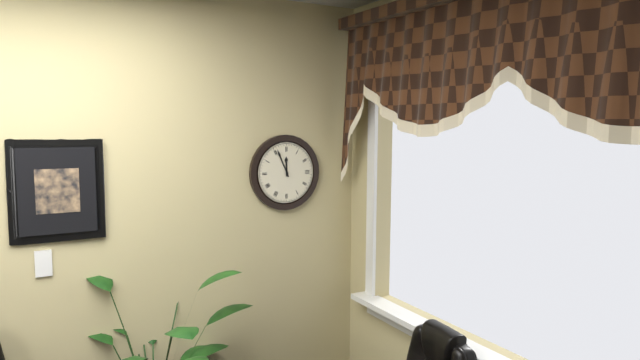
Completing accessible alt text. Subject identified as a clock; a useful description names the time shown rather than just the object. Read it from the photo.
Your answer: 11:56
